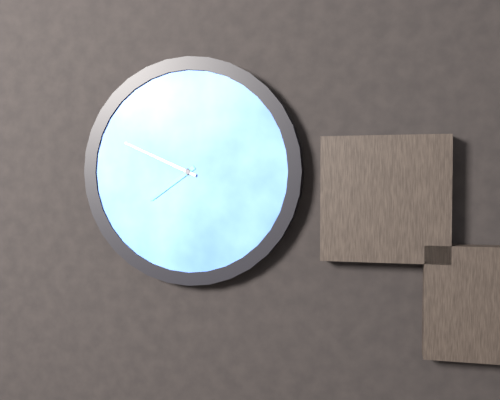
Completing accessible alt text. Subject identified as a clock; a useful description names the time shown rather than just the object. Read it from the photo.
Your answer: 7:49
